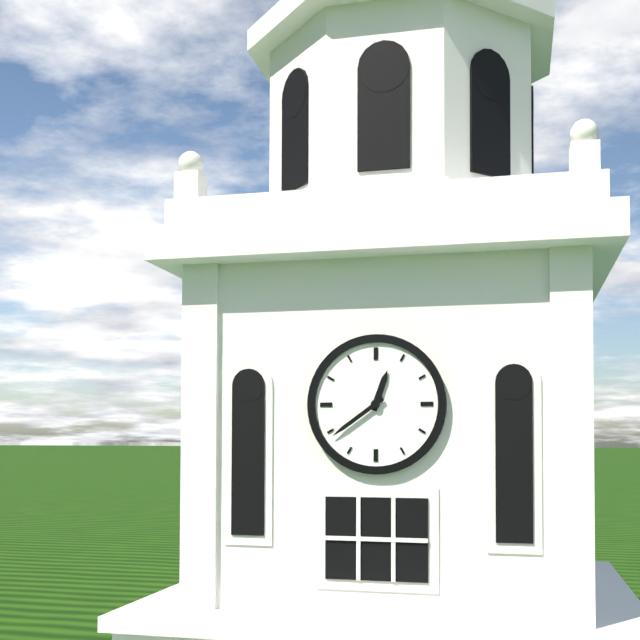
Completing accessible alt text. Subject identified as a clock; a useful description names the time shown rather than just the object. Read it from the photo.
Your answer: 12:39
